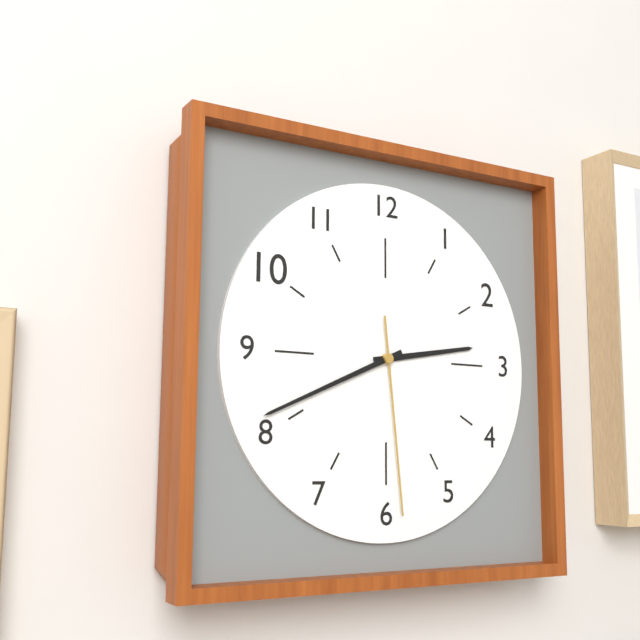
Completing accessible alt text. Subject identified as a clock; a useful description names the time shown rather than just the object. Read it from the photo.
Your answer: 2:41:29
